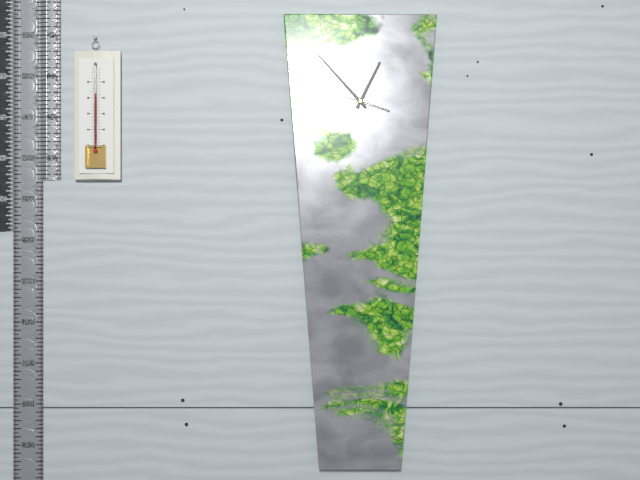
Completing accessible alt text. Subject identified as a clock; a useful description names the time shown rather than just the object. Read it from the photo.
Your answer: 12:53:48
